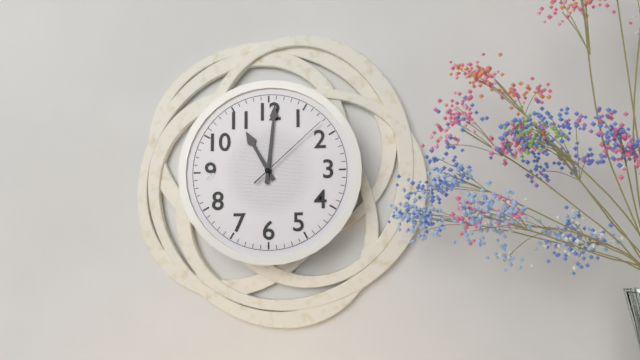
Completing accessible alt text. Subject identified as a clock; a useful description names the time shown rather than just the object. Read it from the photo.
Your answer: 11:01:08
